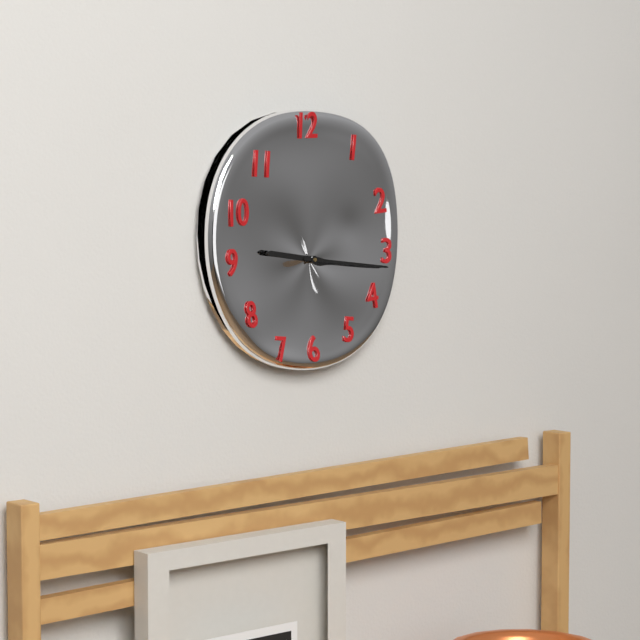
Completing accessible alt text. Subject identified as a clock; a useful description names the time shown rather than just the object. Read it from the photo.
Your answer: 9:16
